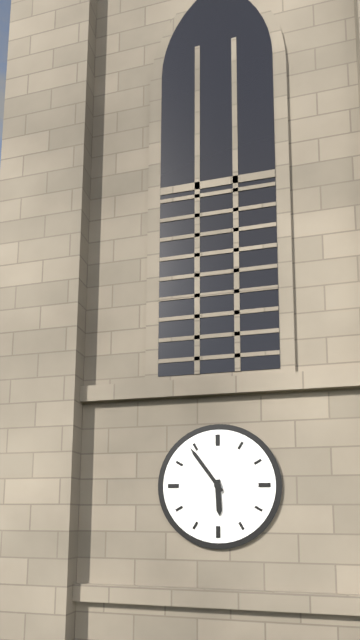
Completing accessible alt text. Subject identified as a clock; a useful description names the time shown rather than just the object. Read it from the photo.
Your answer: 5:54
